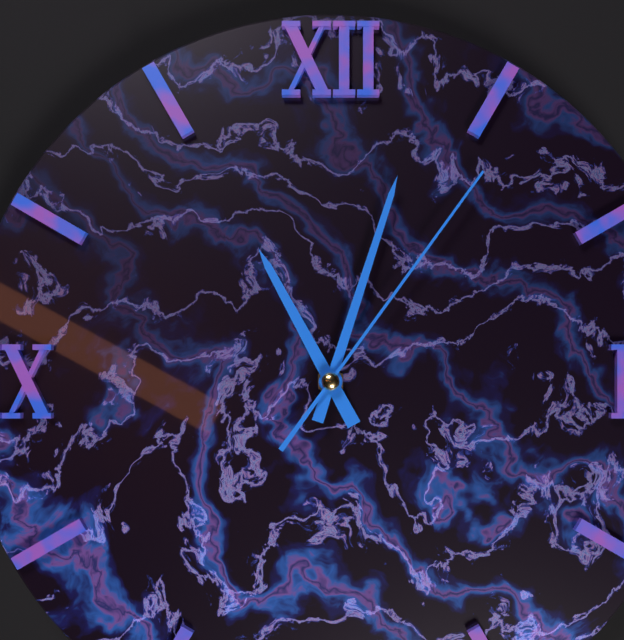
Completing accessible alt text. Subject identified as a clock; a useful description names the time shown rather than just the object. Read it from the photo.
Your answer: 11:03:06
